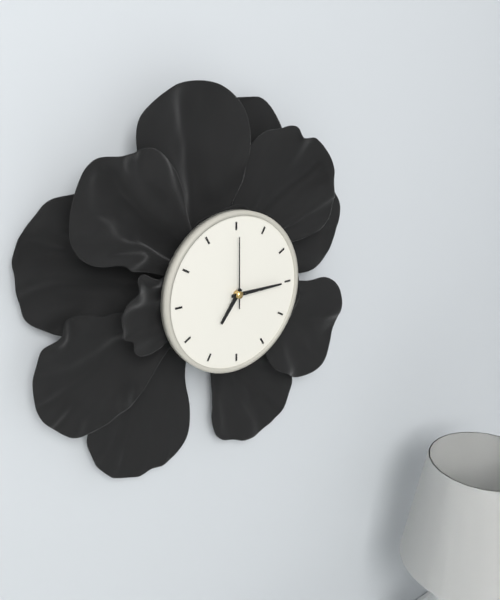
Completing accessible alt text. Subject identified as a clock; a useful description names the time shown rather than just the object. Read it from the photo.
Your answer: 7:15:00
